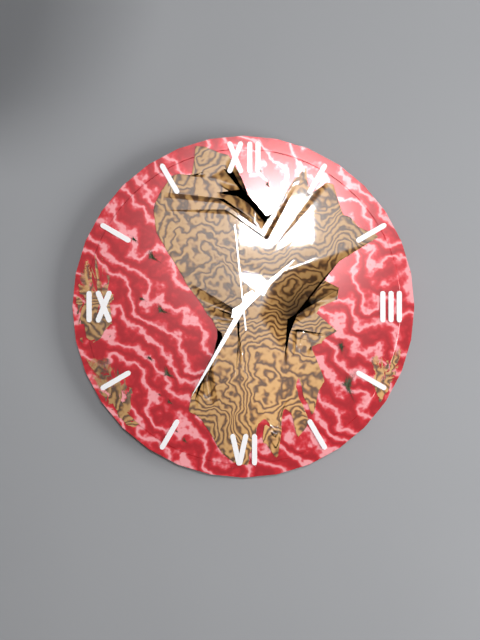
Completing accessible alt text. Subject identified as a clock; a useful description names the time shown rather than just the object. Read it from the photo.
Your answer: 1:35:59
